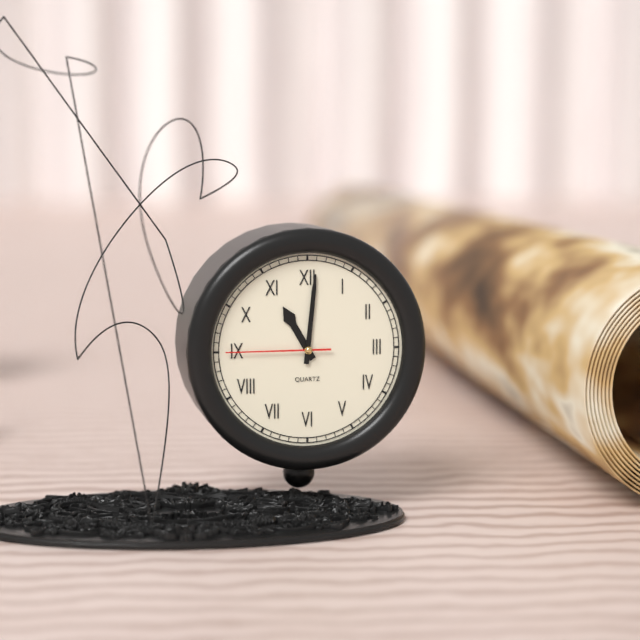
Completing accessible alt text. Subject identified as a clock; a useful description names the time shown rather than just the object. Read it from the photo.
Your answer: 11:01:45
